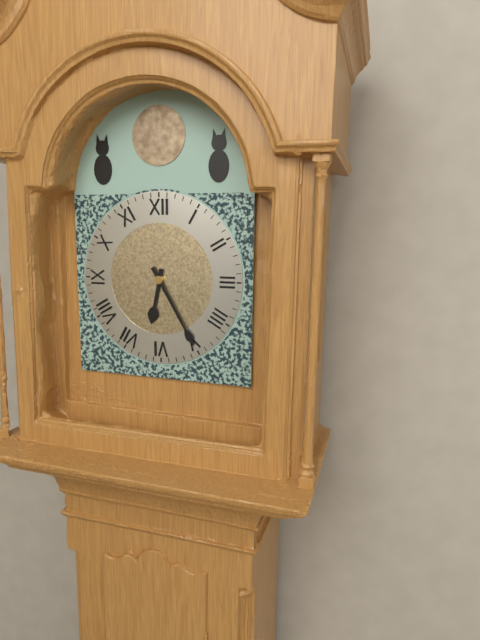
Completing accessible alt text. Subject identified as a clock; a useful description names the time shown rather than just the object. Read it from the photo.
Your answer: 6:25
